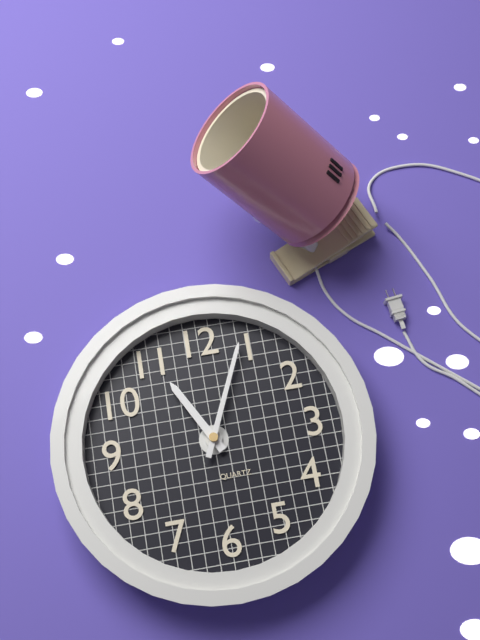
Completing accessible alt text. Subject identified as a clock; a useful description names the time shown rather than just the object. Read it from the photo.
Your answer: 11:04
